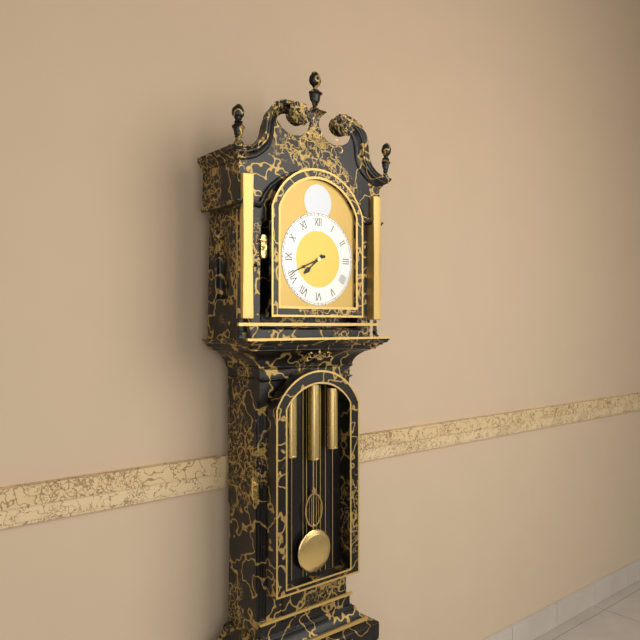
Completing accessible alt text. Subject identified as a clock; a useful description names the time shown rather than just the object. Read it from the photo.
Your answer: 7:41
